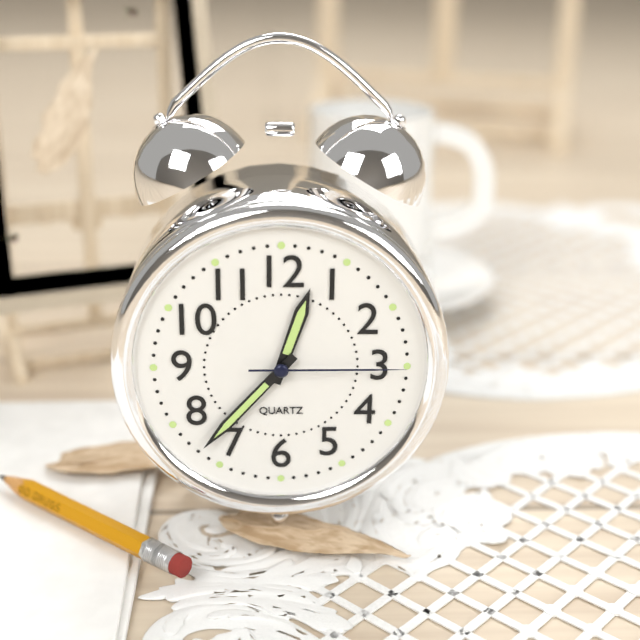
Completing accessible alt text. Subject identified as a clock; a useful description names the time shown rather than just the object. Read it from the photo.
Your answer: 12:37:15
